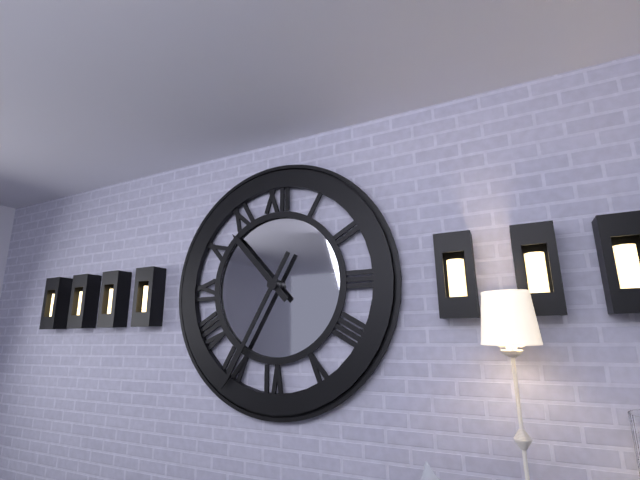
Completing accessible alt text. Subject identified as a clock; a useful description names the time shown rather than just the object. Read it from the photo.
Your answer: 10:35
